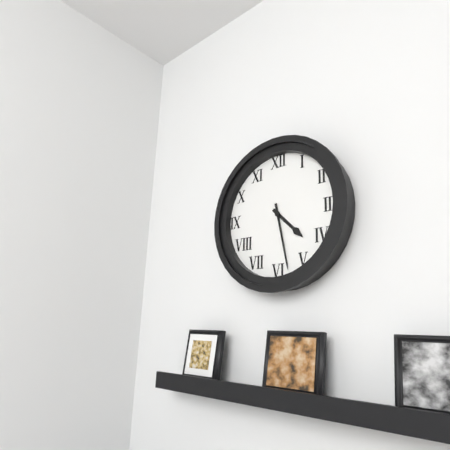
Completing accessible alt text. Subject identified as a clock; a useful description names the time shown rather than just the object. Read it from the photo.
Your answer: 4:28
